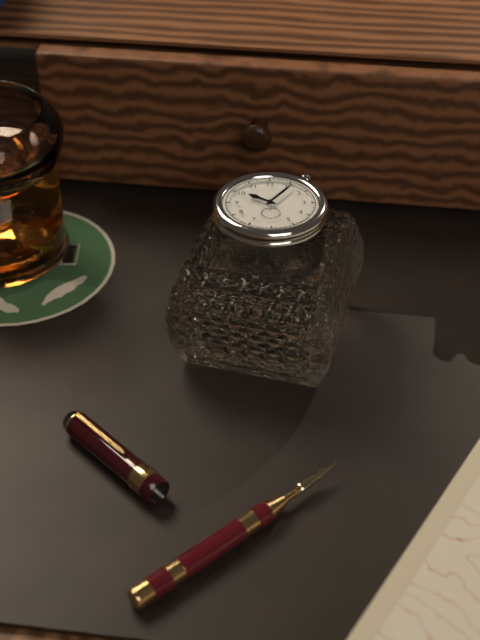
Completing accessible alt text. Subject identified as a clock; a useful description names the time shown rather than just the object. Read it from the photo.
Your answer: 10:06
